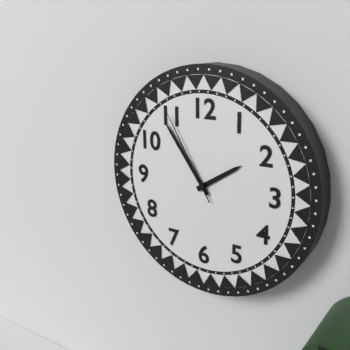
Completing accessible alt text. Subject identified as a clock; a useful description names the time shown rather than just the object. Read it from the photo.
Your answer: 1:54:55
